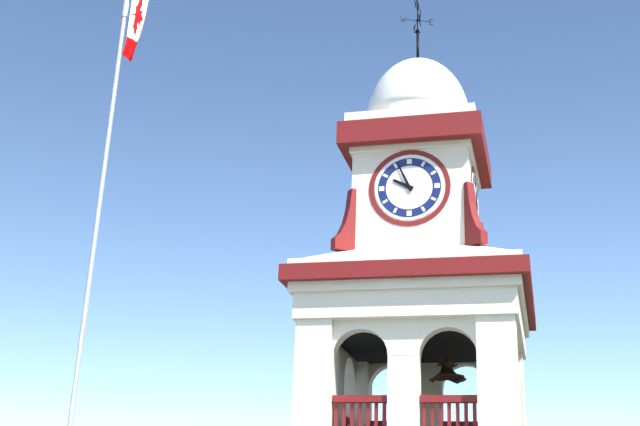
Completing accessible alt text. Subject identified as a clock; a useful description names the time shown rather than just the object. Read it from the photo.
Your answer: 9:56
